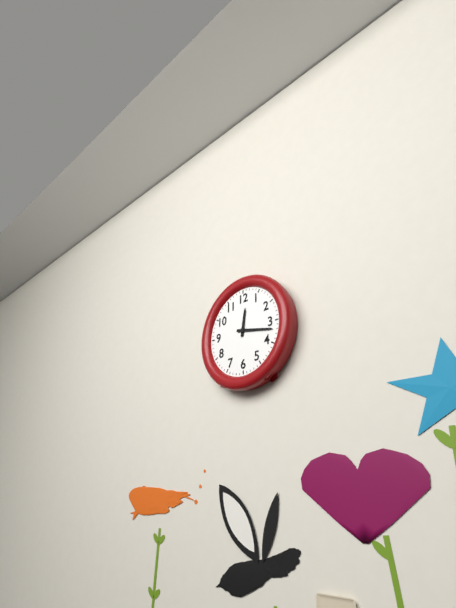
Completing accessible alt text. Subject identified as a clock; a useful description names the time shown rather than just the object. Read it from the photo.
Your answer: 12:17
